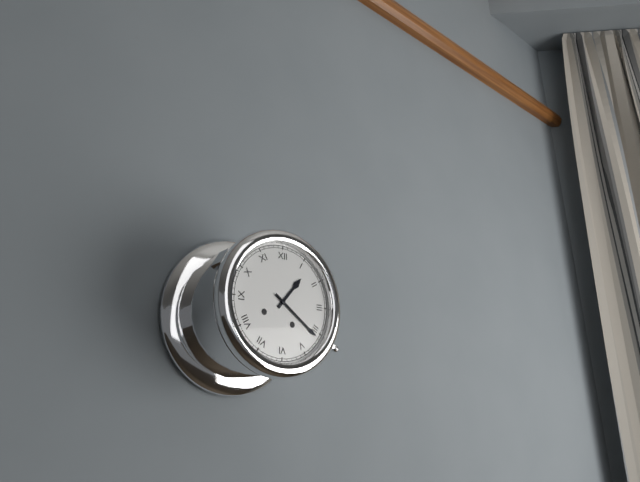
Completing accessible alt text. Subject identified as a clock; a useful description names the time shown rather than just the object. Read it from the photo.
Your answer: 1:21
